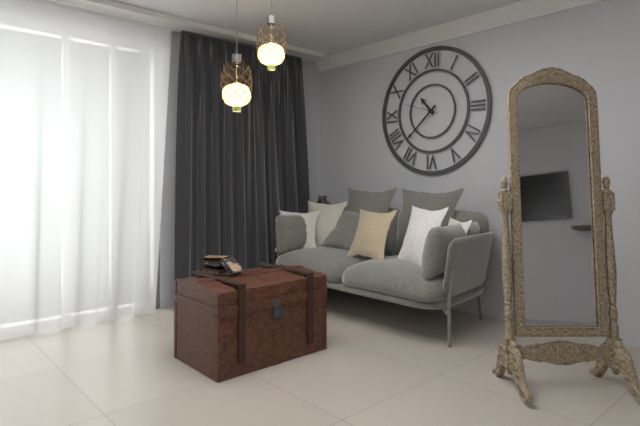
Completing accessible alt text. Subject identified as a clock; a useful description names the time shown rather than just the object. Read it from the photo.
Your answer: 10:38
